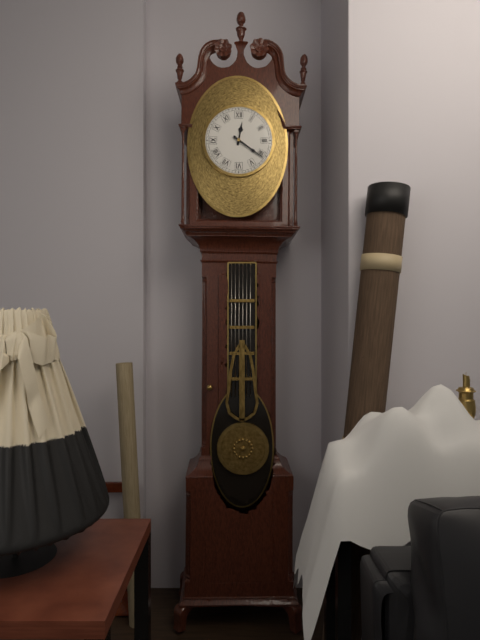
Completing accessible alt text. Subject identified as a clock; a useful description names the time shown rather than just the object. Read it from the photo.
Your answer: 12:21
